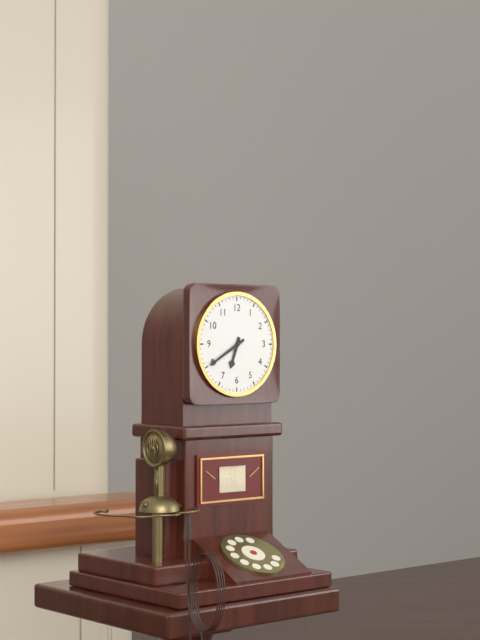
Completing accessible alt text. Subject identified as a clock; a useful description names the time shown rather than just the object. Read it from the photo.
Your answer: 6:40
